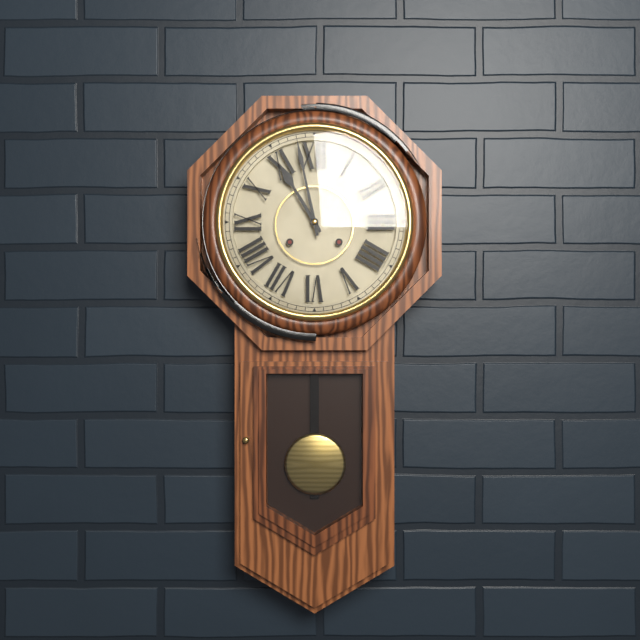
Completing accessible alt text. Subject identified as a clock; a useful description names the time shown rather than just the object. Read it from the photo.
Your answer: 10:58
